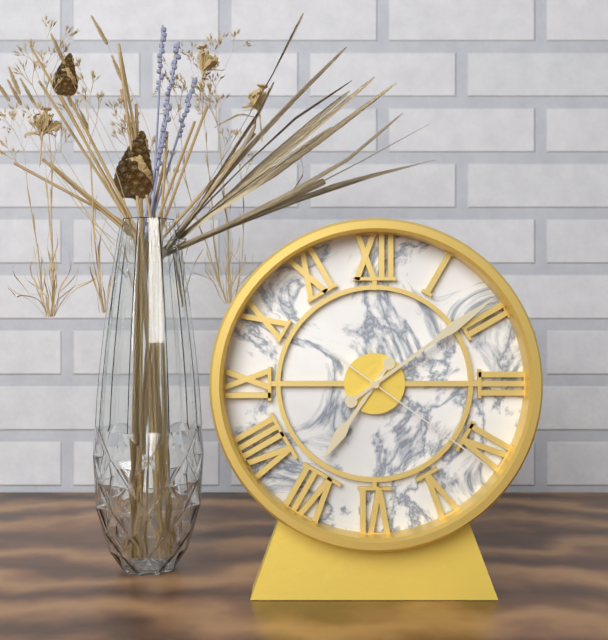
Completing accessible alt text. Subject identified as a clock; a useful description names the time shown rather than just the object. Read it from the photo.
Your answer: 7:09:21
